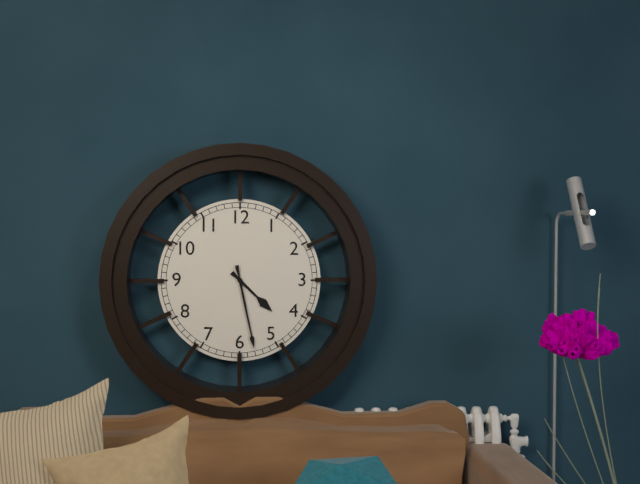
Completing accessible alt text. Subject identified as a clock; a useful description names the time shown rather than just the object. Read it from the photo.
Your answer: 4:28
